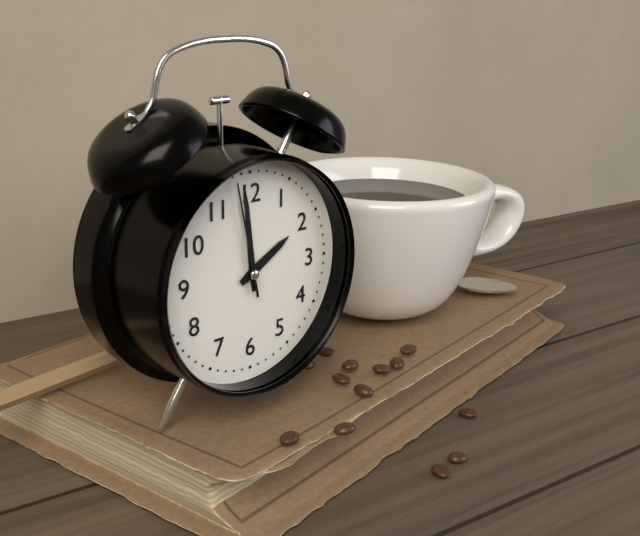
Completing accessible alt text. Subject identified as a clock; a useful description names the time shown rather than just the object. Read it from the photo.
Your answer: 1:59:58
